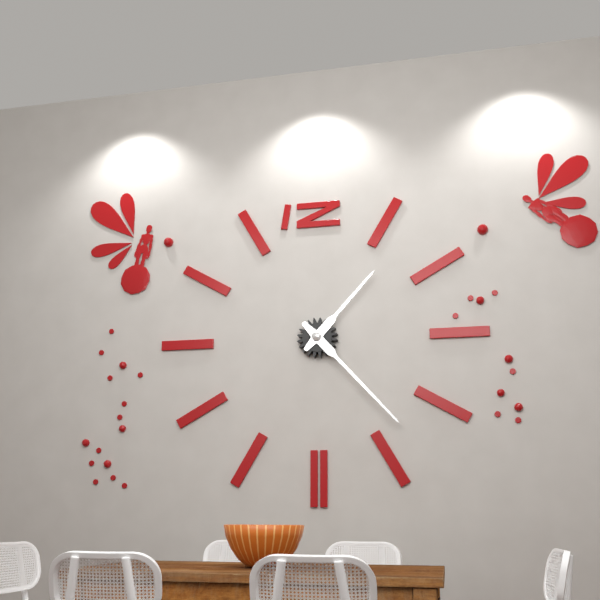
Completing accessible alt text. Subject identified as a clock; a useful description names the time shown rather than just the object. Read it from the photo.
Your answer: 1:23
